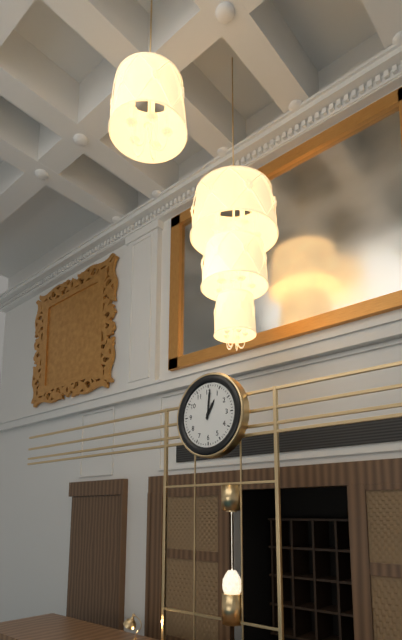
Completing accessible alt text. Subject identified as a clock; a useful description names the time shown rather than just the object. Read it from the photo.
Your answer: 1:01
